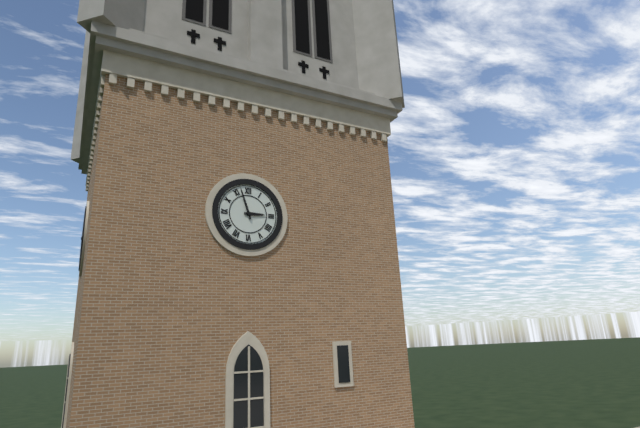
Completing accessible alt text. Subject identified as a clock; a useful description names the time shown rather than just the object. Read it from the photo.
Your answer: 2:57
